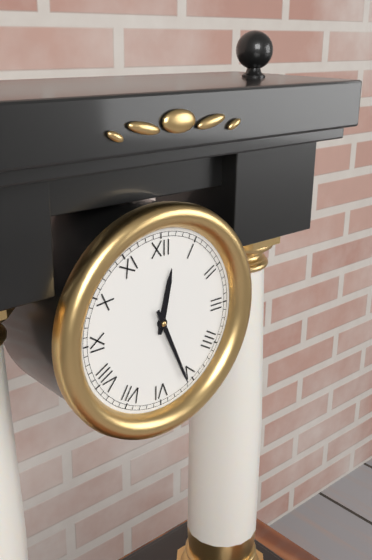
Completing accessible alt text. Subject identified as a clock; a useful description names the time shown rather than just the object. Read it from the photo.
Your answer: 12:26
